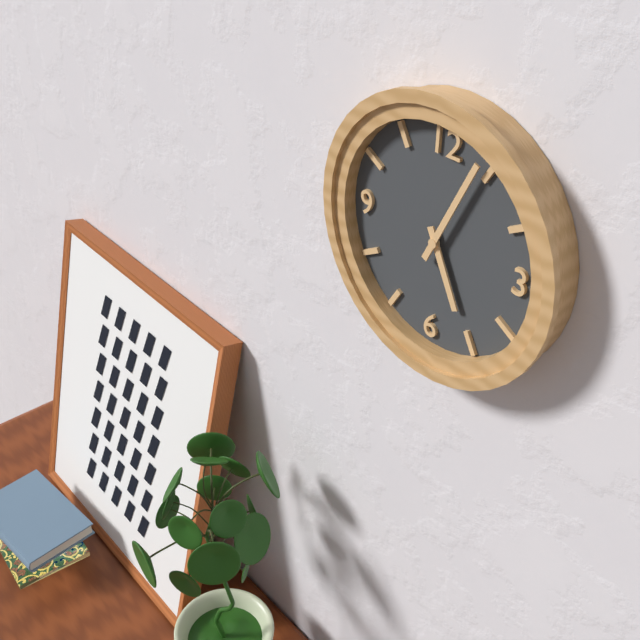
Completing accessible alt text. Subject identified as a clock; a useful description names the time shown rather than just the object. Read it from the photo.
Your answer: 5:04
